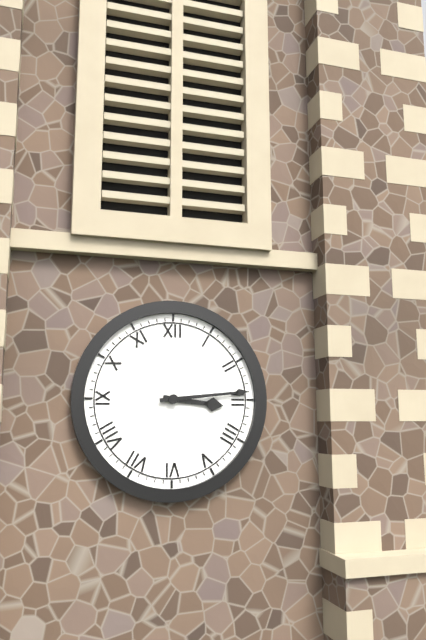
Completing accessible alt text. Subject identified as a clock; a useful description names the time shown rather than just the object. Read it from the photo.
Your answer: 3:14
